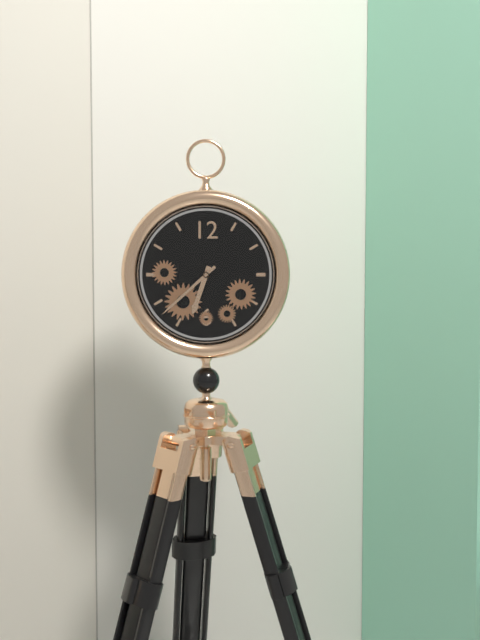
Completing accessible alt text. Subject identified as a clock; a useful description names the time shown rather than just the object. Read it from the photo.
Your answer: 6:38
